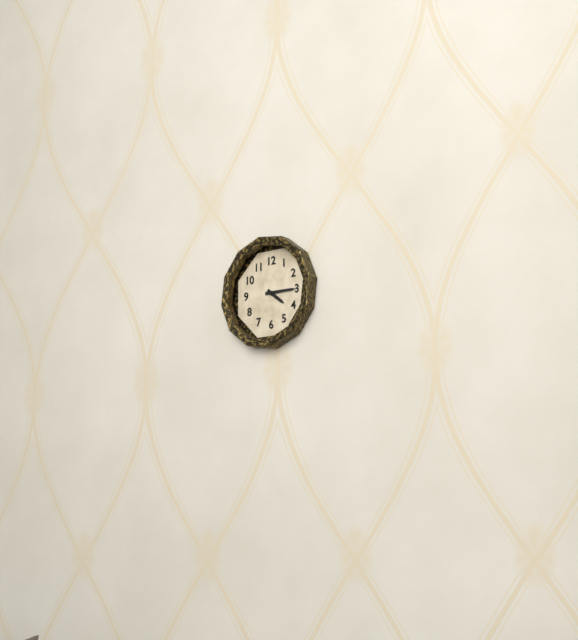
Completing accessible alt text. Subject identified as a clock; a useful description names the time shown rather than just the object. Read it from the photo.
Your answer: 4:15
